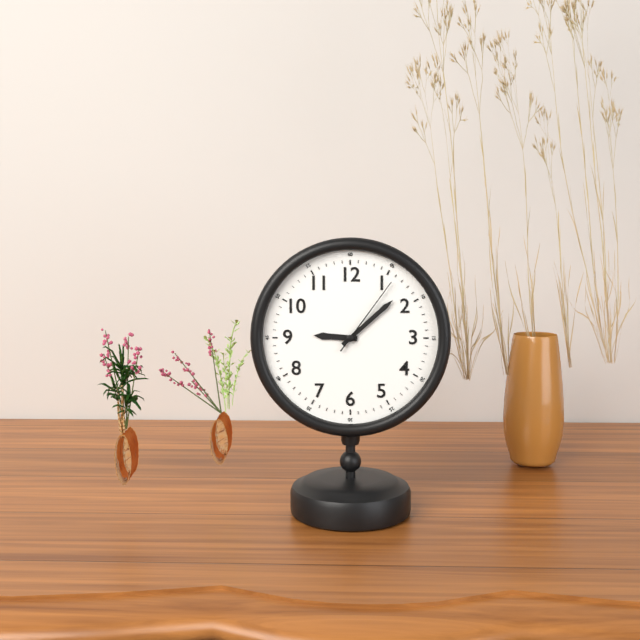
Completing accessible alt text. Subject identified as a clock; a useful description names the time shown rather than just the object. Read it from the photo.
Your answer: 9:08:06
